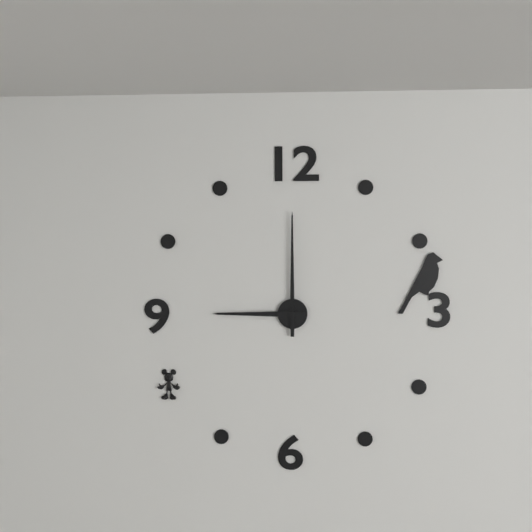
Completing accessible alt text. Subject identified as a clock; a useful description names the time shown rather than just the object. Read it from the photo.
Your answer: 9:00
